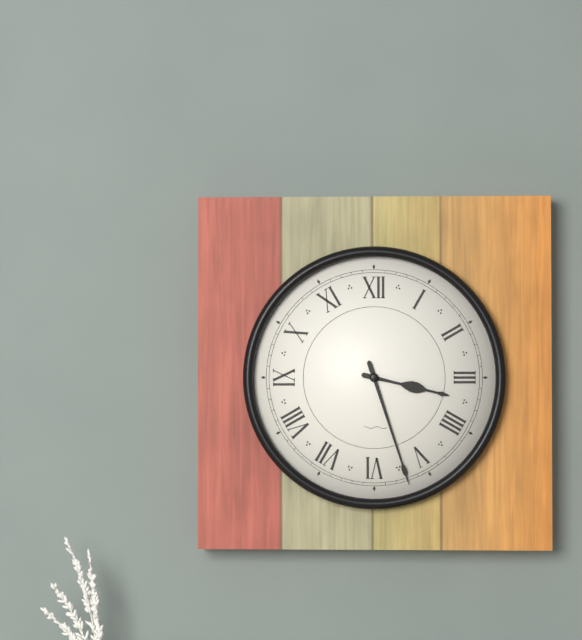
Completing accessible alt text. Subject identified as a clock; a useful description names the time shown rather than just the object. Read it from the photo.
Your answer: 3:27
